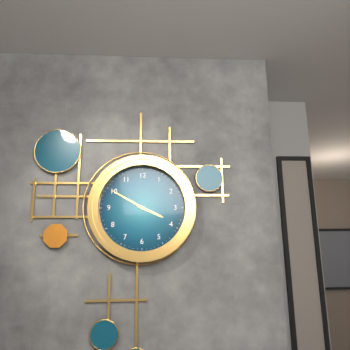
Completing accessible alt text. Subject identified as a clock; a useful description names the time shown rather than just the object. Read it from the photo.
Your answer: 3:50
